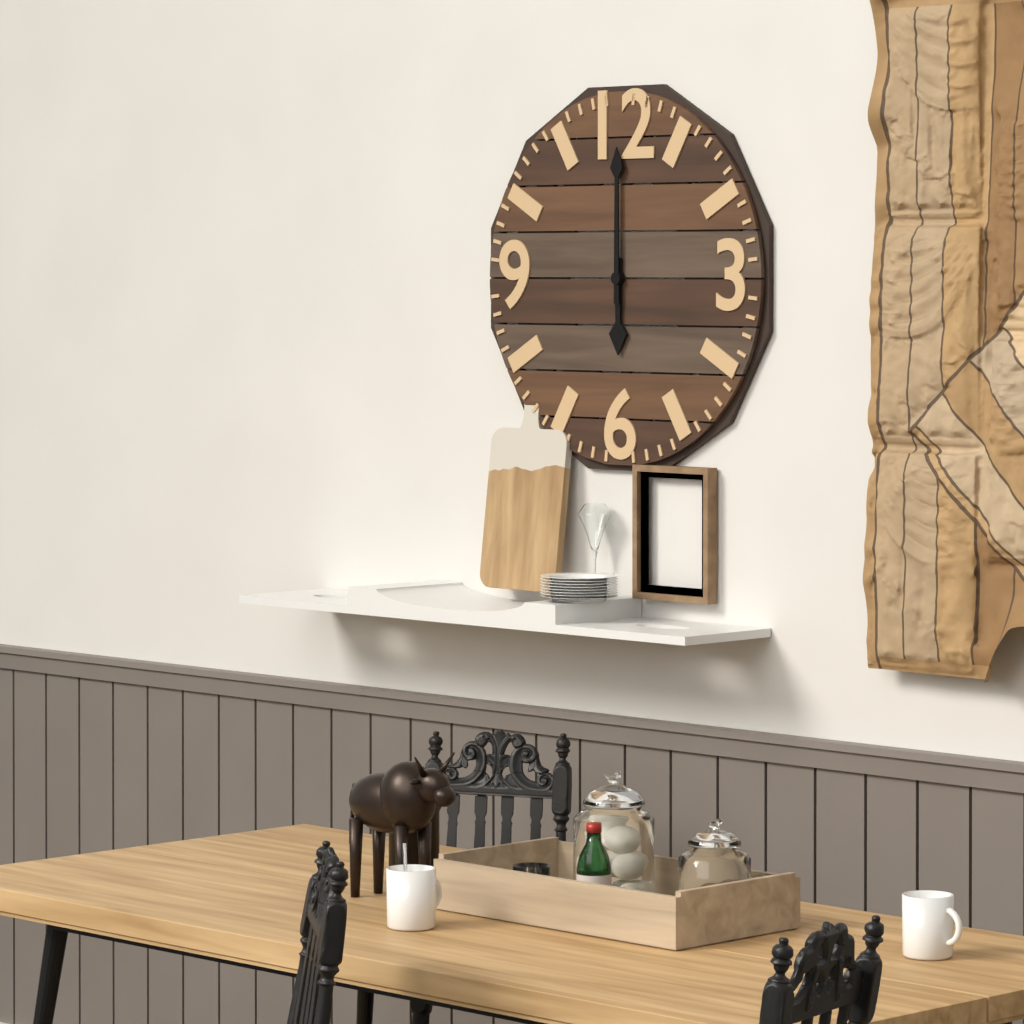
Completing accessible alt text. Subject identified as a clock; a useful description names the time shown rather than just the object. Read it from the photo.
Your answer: 6:00
